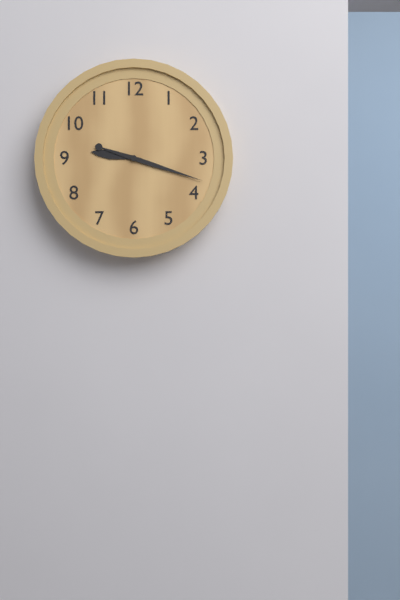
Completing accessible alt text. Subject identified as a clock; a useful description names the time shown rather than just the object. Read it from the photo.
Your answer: 9:18
